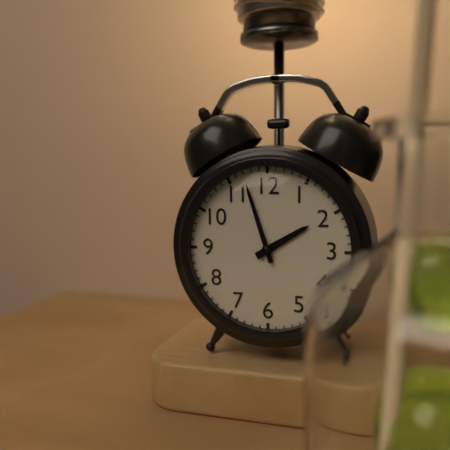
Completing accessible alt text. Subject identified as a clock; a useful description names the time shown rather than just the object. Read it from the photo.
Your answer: 1:57
